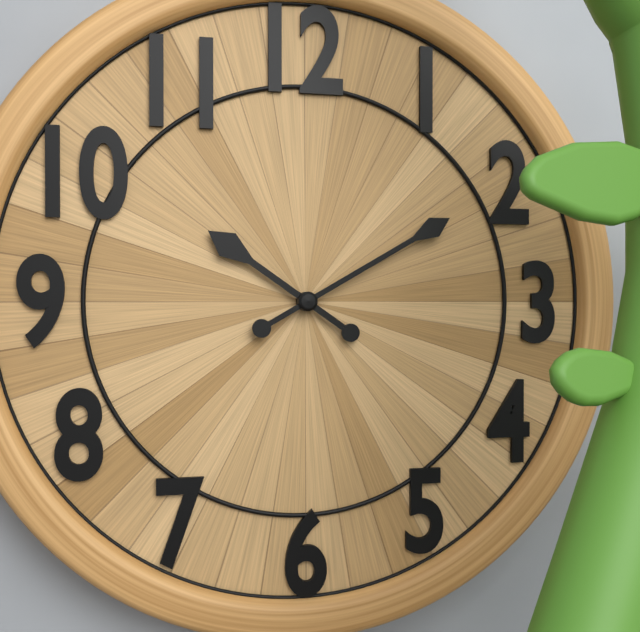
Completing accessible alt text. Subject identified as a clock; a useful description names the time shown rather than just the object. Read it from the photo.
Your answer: 10:10
